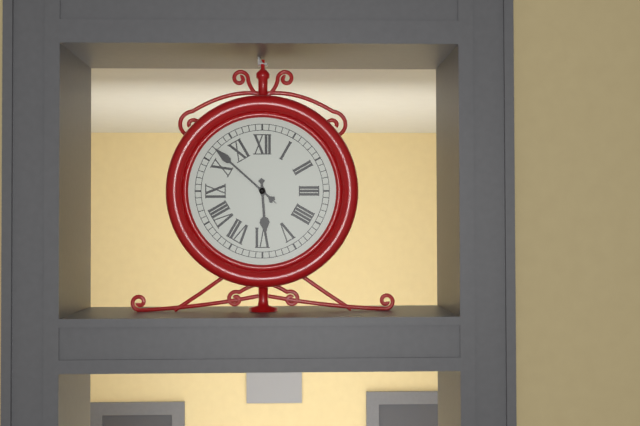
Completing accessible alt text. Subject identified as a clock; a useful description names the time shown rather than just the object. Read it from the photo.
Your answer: 5:52
